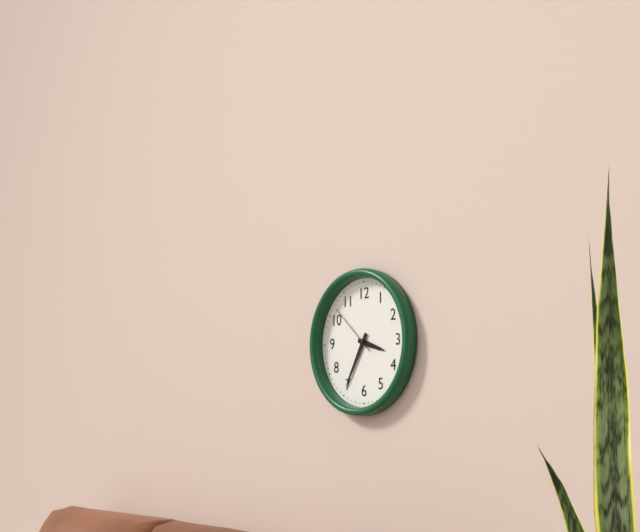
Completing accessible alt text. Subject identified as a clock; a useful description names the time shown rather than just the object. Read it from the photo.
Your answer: 3:35:52
